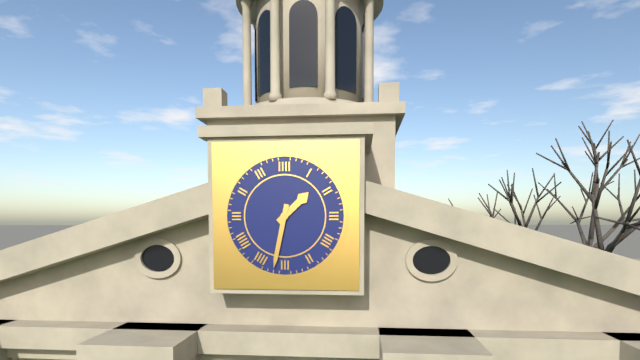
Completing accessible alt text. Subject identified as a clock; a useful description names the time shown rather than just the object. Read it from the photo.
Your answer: 1:32
